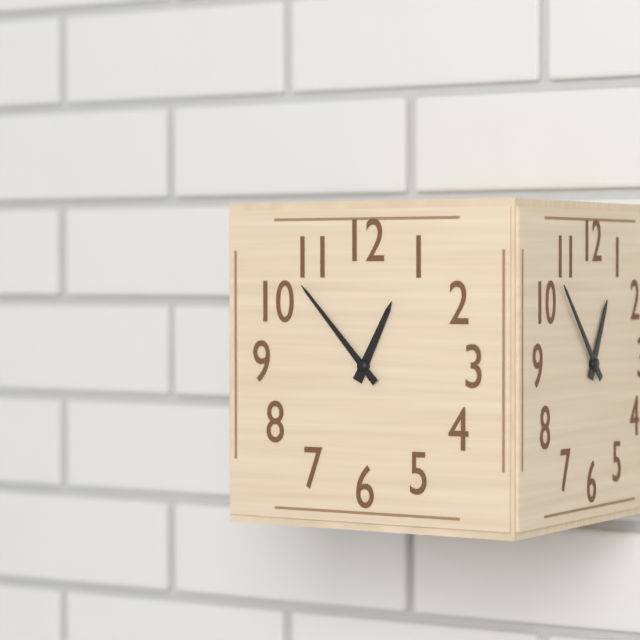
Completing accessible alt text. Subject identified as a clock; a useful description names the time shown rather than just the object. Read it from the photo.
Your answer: 12:53
